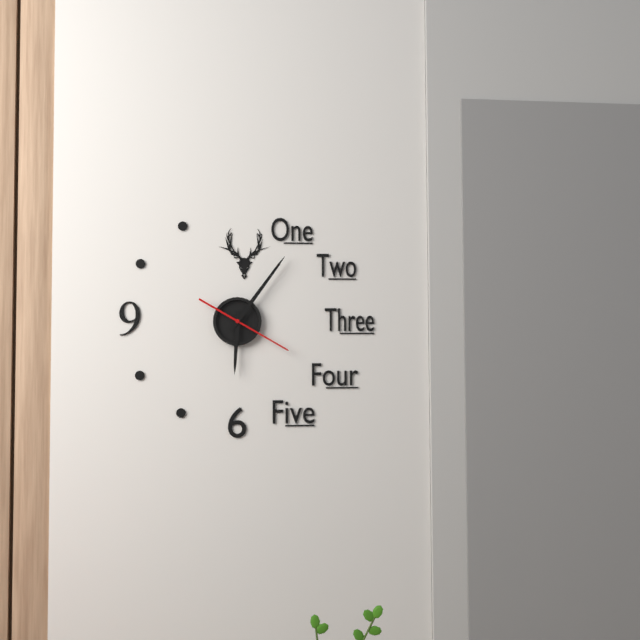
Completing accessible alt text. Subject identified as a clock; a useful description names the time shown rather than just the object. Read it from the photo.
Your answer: 6:06:20
